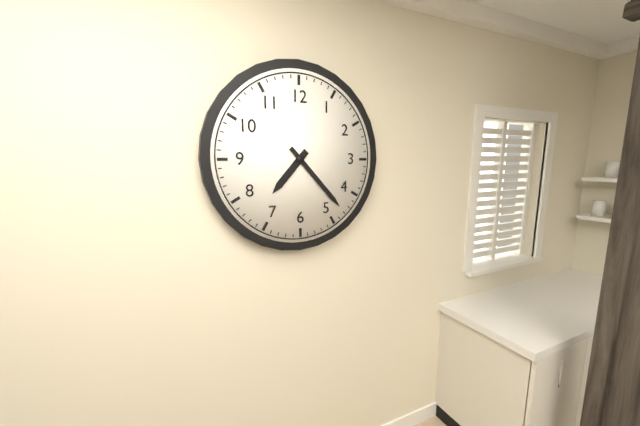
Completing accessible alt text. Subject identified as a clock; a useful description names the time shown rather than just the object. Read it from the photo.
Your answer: 7:23
